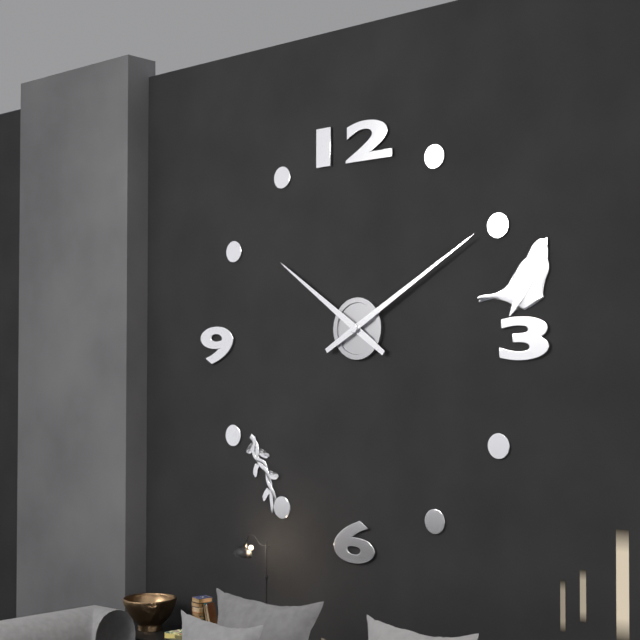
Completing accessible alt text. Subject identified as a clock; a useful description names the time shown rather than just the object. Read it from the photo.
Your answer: 10:10
